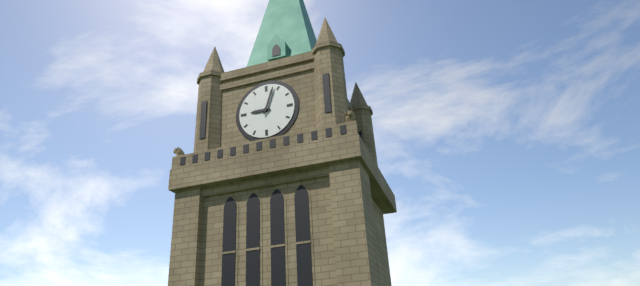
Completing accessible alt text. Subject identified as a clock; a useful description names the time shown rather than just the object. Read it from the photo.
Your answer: 9:03
